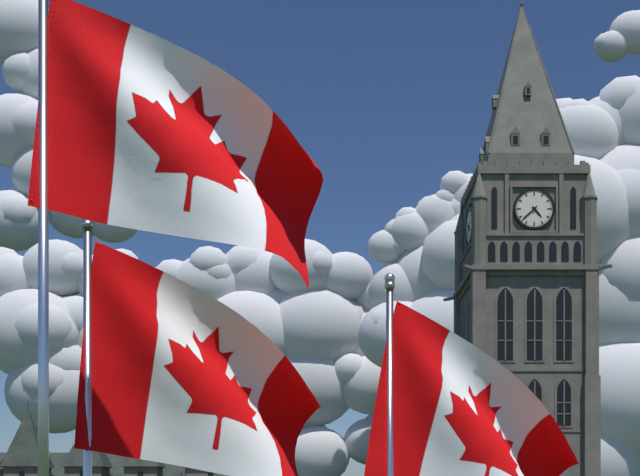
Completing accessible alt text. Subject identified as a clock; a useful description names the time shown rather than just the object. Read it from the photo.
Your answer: 4:38
